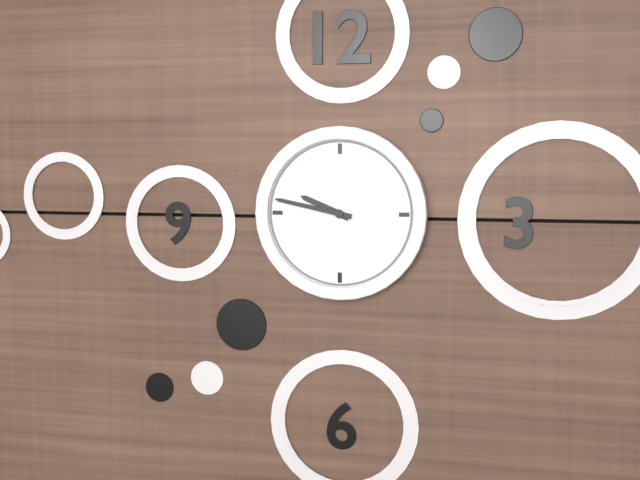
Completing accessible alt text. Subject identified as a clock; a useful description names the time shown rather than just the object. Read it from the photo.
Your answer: 9:47
